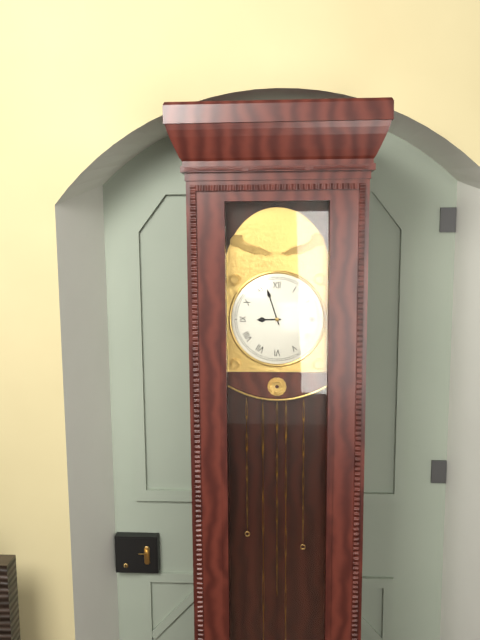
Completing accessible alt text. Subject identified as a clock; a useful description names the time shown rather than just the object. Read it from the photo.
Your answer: 8:57
